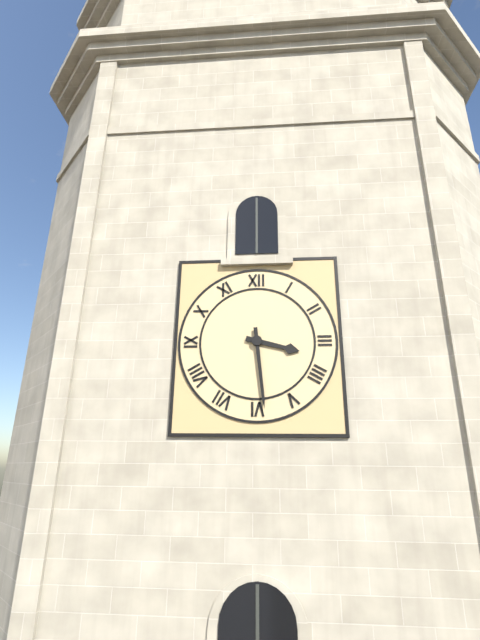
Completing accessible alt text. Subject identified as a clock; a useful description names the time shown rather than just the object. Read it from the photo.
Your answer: 3:29
